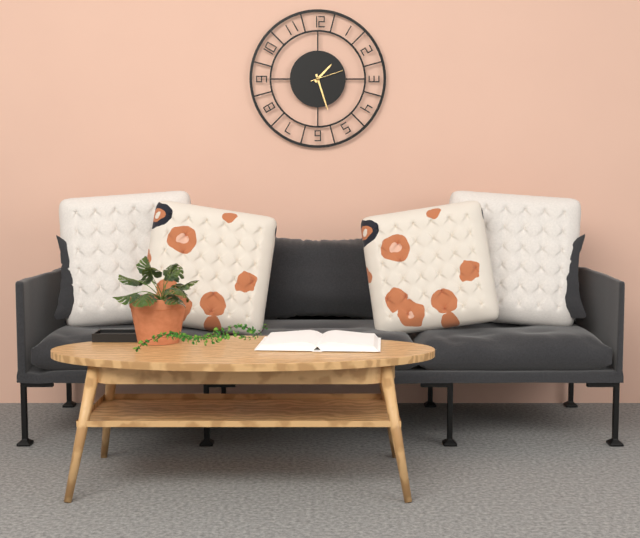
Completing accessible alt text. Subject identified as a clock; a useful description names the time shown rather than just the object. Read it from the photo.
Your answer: 1:27
